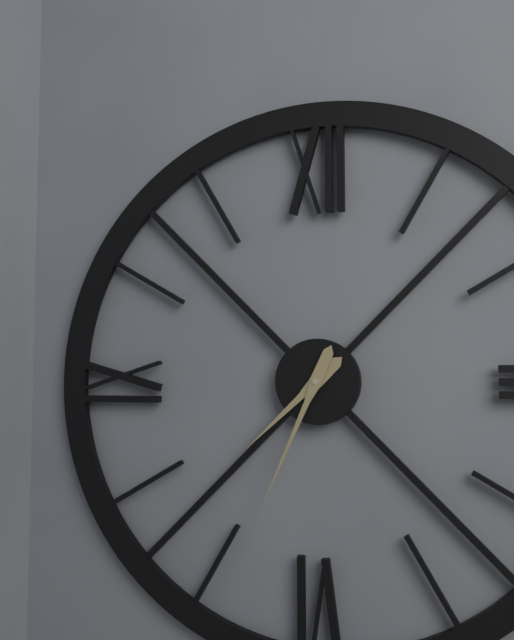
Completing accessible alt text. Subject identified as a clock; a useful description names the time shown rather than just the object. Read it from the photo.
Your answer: 7:34
